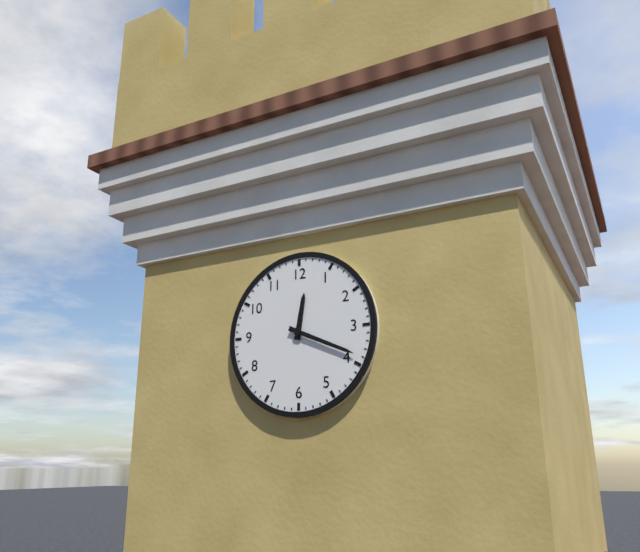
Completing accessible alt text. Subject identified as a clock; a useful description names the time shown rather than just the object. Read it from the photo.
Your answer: 12:19
